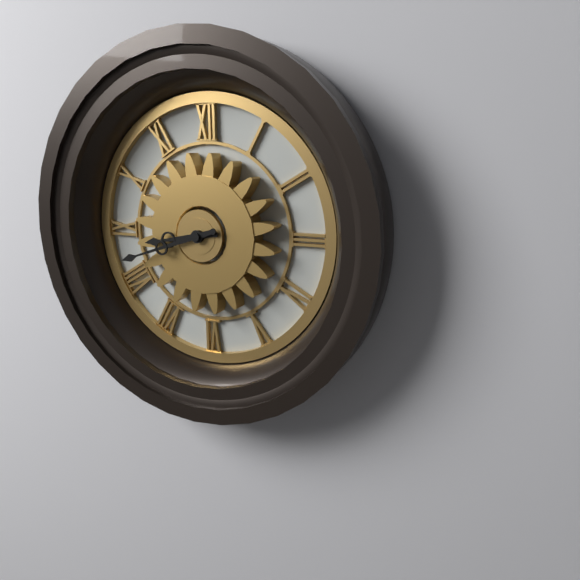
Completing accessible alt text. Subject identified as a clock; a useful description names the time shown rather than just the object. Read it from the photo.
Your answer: 8:42
